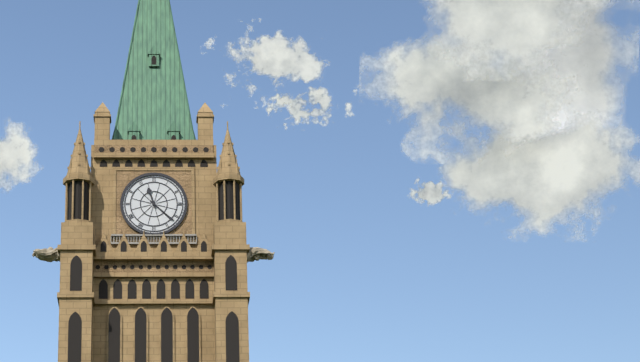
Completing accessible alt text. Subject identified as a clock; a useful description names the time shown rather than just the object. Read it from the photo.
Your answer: 11:22
